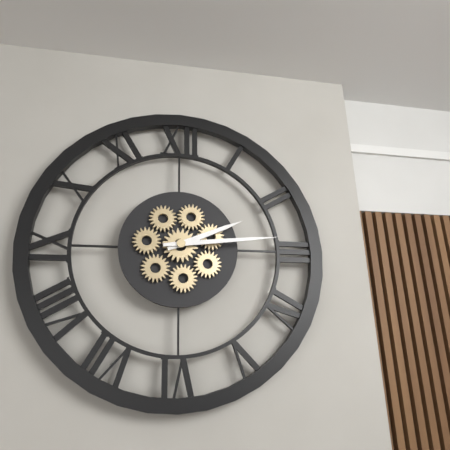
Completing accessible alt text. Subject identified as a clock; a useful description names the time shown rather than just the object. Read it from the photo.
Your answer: 2:14
